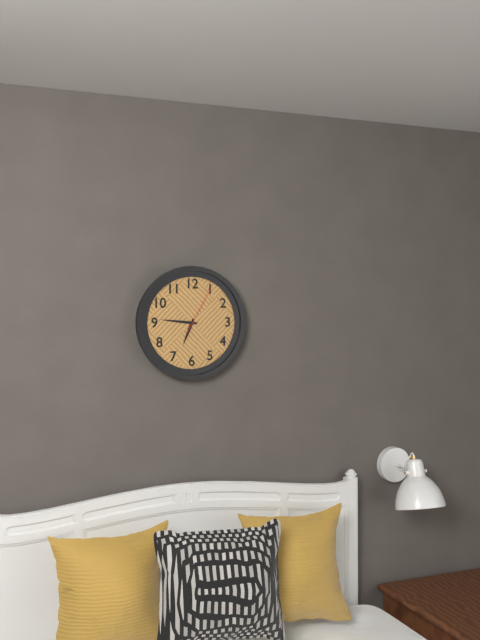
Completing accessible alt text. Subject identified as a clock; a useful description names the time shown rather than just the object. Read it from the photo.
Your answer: 6:46:05
